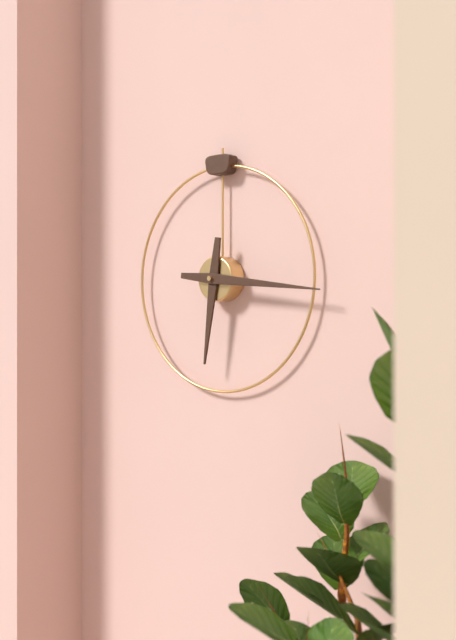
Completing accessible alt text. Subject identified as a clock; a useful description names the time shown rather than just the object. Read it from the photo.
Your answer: 6:16
